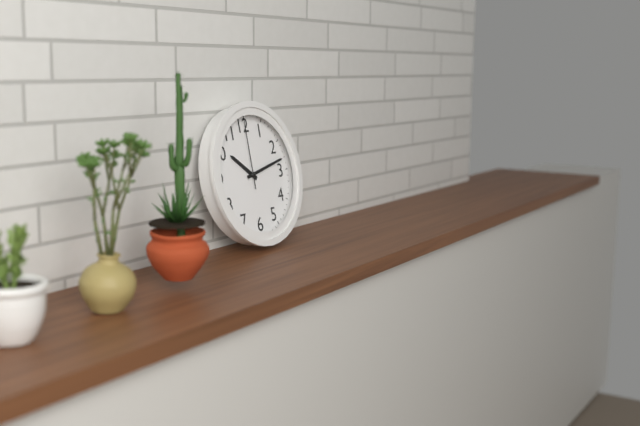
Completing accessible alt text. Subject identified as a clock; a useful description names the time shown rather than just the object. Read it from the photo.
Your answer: 10:13:00
